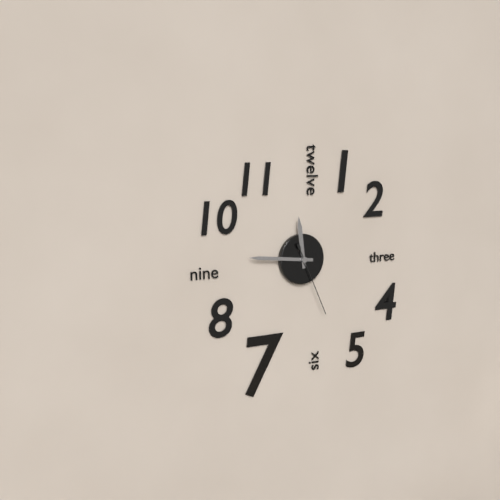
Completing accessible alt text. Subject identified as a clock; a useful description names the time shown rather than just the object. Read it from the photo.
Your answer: 11:46:26
